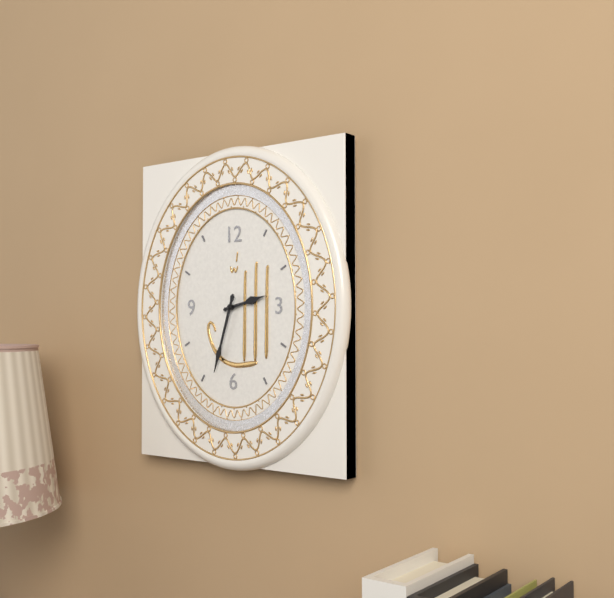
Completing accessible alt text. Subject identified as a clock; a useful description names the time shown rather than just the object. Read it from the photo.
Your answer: 2:33
